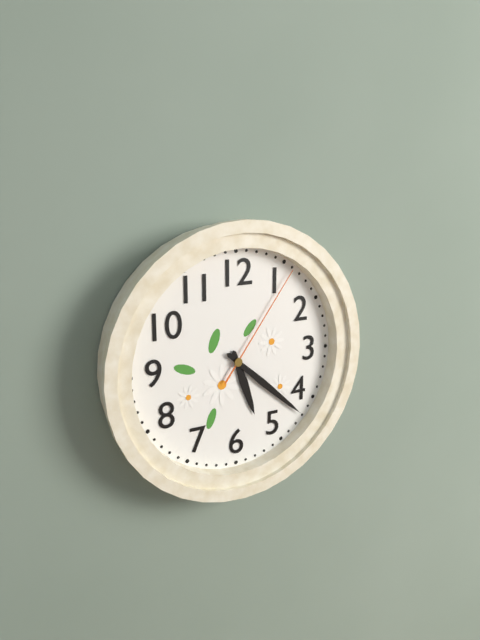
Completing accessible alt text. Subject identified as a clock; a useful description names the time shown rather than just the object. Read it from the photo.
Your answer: 5:22:06
